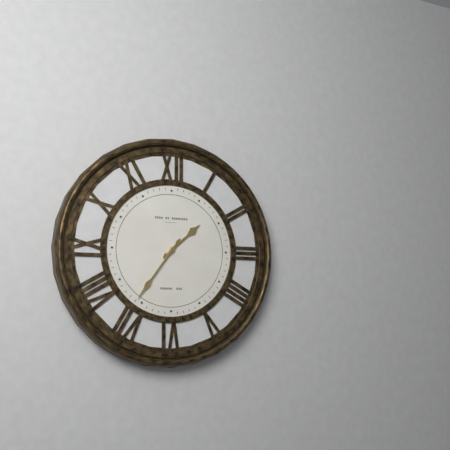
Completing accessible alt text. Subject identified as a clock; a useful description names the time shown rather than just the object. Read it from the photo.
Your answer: 1:36
